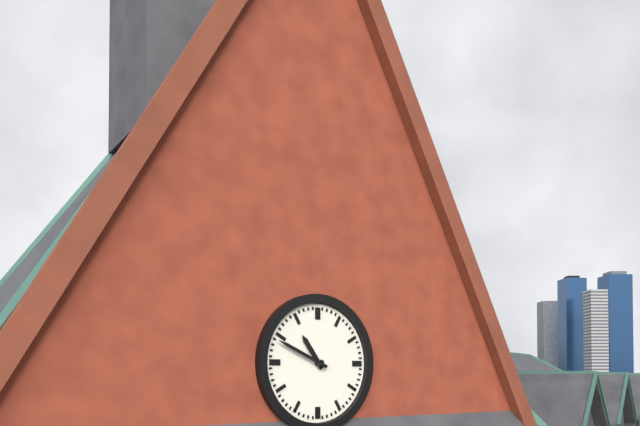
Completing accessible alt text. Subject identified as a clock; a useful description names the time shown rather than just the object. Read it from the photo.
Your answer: 10:49
